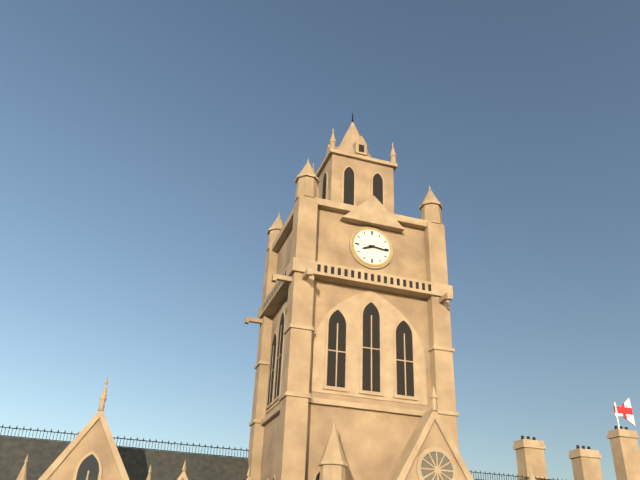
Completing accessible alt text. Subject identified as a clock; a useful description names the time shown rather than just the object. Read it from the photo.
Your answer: 8:16
